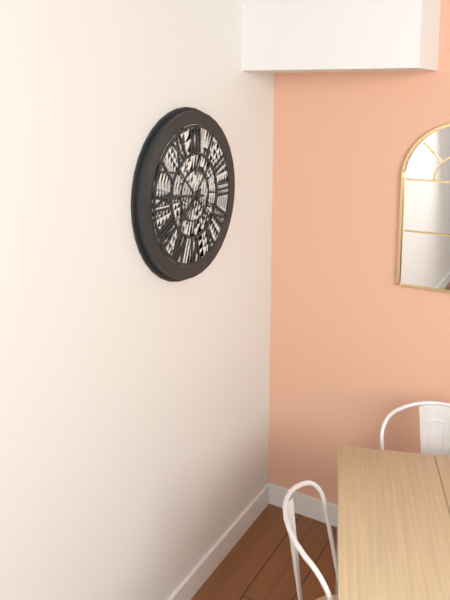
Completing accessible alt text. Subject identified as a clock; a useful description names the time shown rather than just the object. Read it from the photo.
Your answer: 7:46
